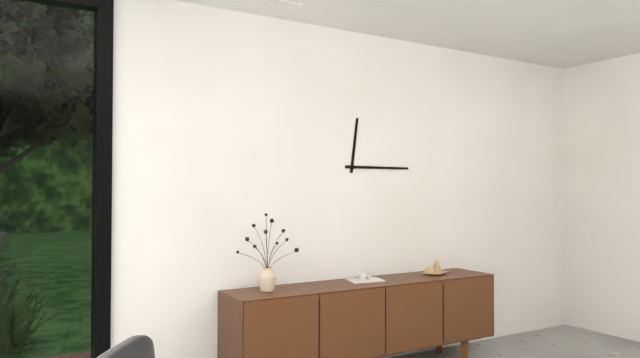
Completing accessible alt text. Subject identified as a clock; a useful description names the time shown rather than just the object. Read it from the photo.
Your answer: 12:15
